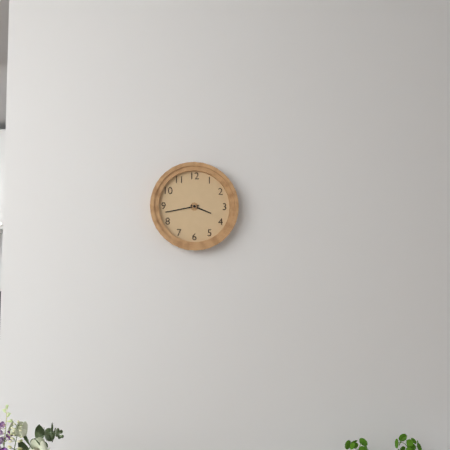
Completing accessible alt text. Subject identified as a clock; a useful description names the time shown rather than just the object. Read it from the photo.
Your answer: 3:43
